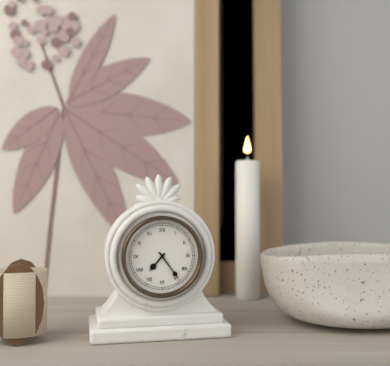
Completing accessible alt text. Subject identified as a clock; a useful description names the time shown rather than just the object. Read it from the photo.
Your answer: 7:24
